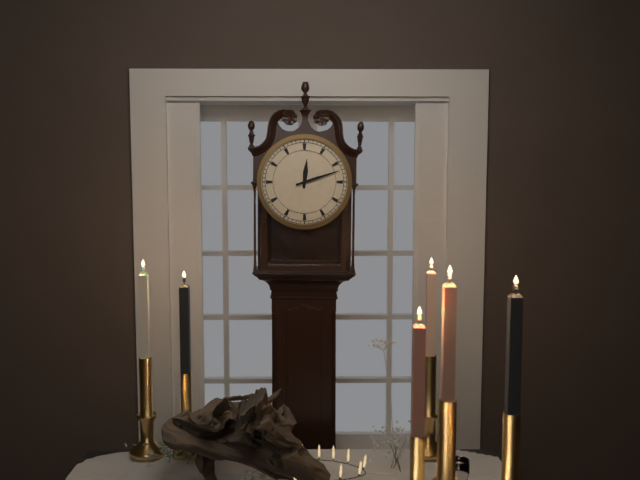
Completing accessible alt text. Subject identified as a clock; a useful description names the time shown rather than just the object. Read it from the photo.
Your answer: 12:12
